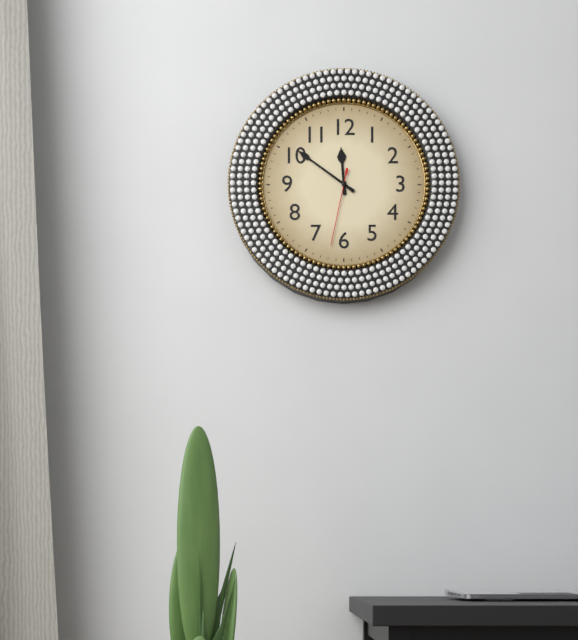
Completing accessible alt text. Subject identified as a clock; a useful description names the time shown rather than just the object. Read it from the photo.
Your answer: 11:51:32
